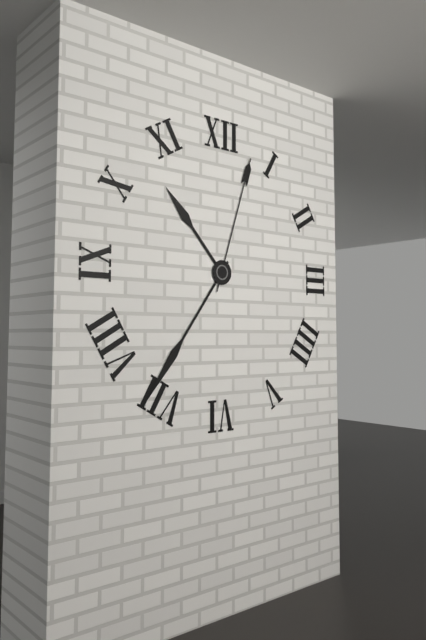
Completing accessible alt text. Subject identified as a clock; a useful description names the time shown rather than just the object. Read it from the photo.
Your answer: 10:36:03
